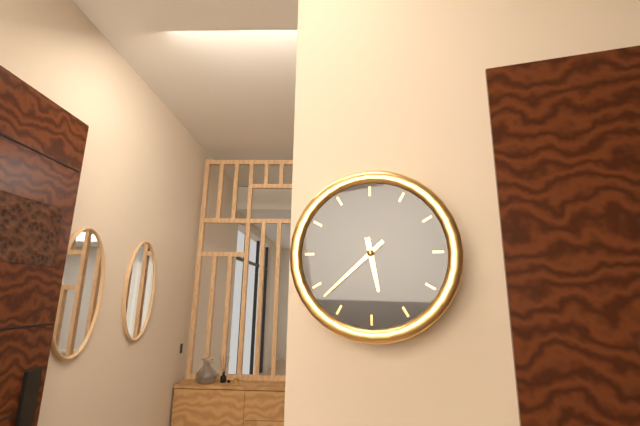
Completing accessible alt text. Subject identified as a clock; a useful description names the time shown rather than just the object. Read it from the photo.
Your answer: 5:38
